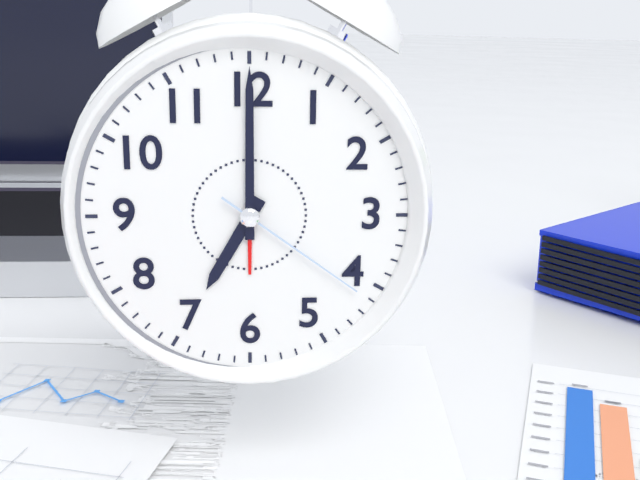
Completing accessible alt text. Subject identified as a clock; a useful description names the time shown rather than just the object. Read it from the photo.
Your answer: 7:00:21
